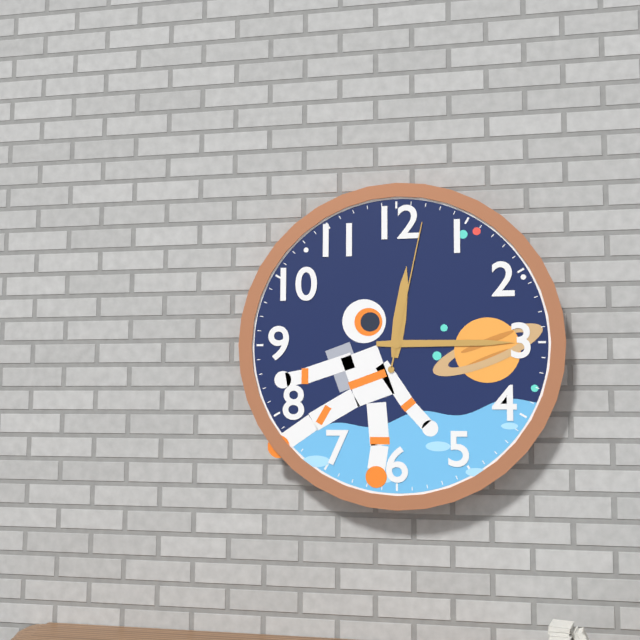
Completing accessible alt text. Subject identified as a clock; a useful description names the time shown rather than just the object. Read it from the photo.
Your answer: 12:15:02
